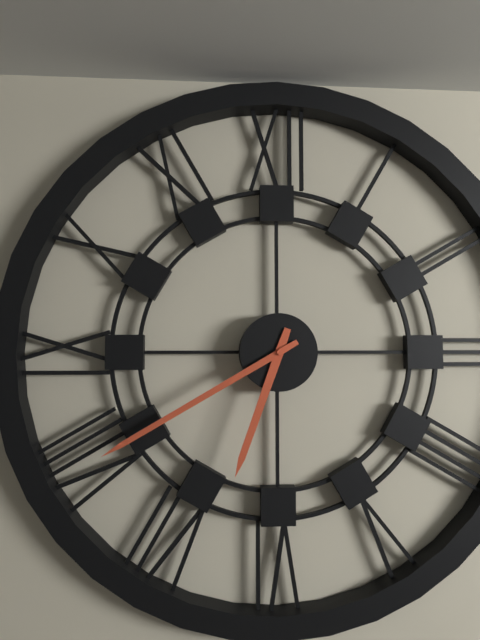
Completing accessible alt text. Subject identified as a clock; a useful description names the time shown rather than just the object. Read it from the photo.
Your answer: 6:40
